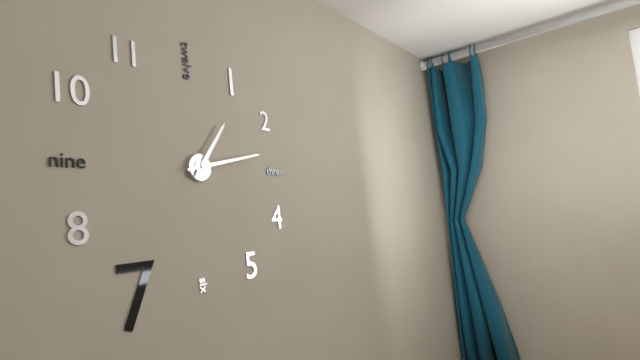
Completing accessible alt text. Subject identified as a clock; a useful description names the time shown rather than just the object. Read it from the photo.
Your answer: 1:13
